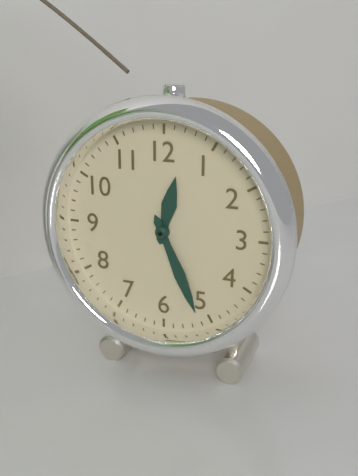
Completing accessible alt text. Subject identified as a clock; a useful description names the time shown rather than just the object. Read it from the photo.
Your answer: 12:26
